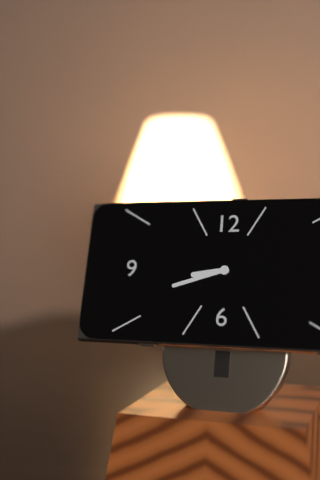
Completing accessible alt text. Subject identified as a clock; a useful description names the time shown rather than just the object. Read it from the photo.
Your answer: 8:42
